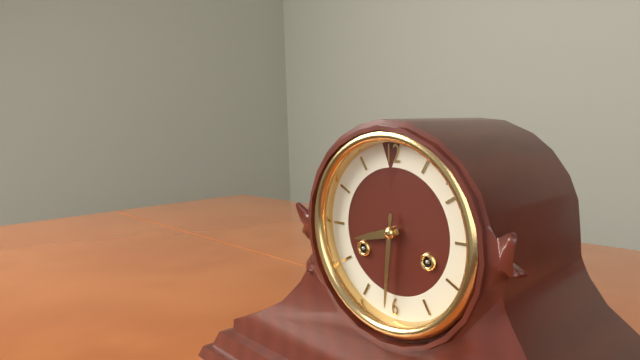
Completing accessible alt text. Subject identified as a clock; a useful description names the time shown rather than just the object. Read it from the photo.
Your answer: 8:31
